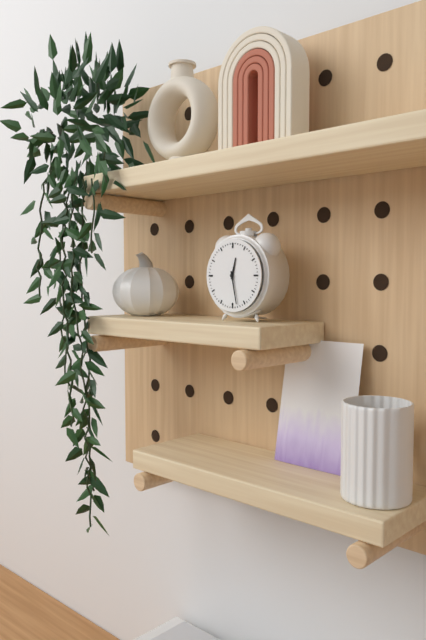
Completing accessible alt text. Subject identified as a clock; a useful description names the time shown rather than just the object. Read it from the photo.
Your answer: 12:28
